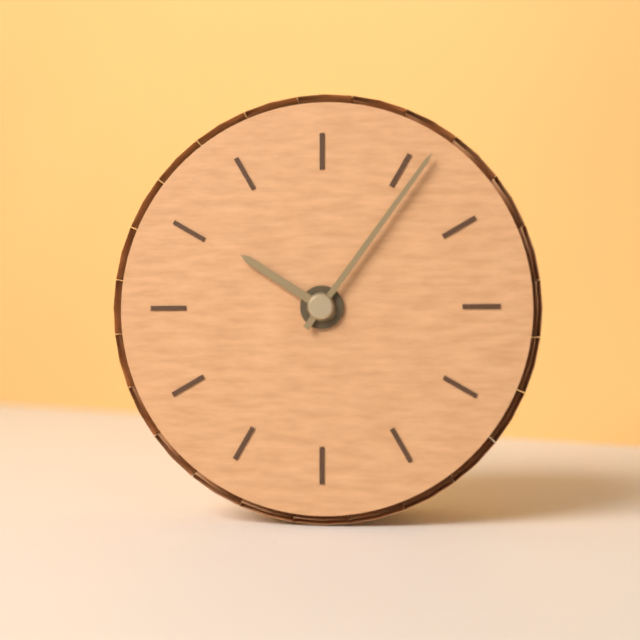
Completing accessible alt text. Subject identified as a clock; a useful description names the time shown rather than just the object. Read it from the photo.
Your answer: 10:06
